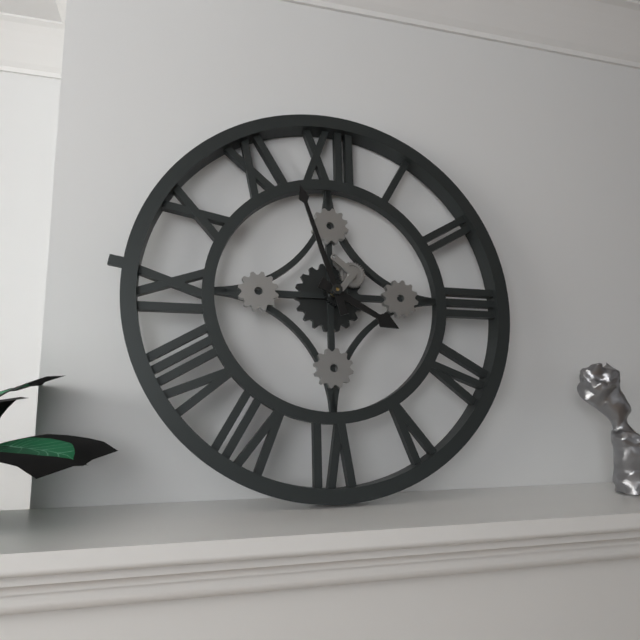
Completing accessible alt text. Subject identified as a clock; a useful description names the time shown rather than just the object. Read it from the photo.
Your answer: 3:57
